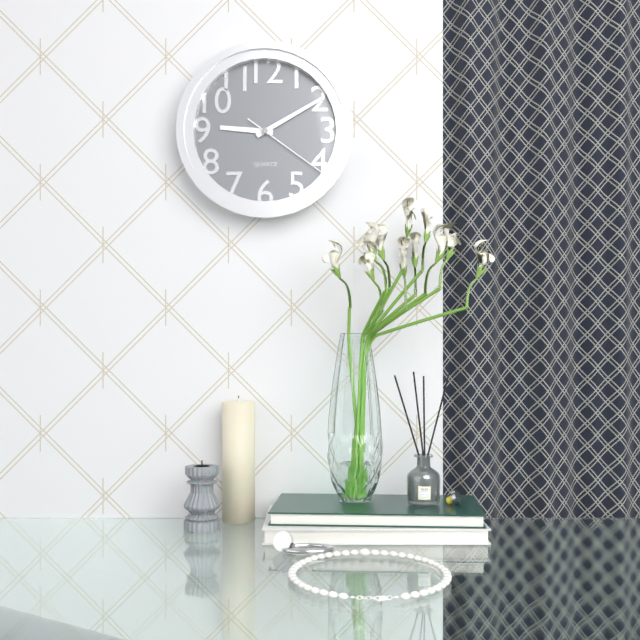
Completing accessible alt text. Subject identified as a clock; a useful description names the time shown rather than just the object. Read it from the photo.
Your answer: 9:10:21
